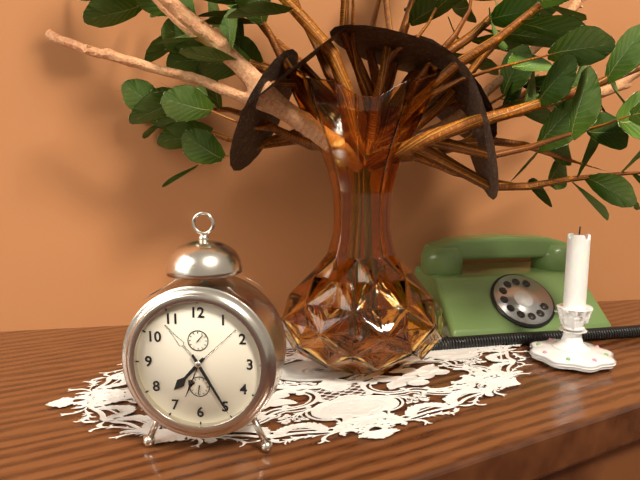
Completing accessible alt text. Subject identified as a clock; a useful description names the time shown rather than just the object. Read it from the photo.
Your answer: 7:25
